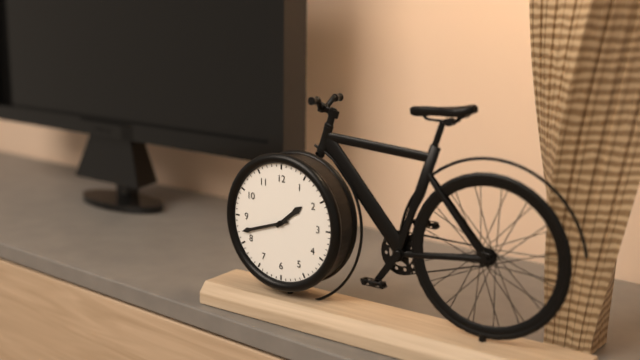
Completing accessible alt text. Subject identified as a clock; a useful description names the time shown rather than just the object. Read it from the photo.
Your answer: 1:42
